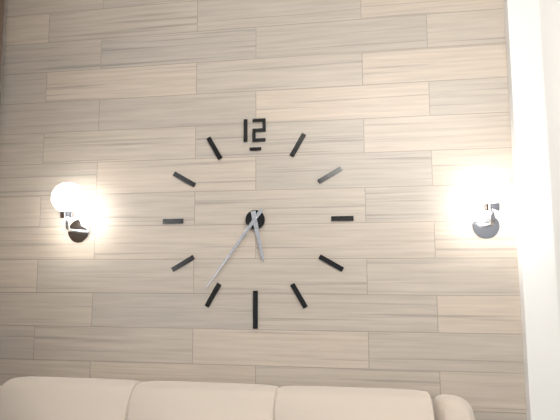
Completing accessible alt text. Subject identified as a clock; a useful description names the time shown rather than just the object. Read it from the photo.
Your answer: 5:36
